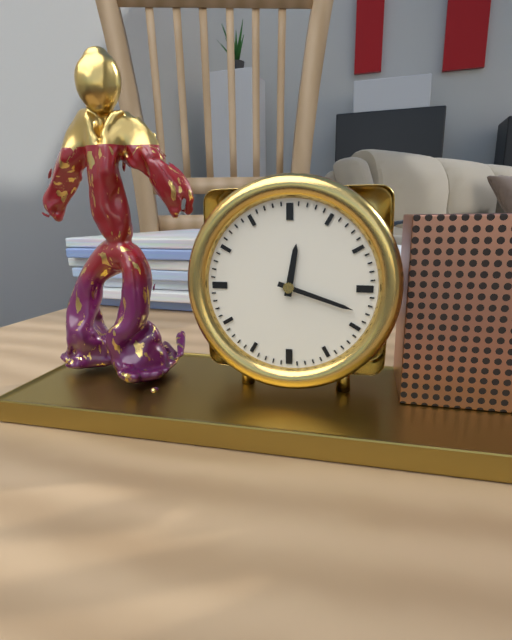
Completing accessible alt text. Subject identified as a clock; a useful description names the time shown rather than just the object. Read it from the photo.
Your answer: 12:18
